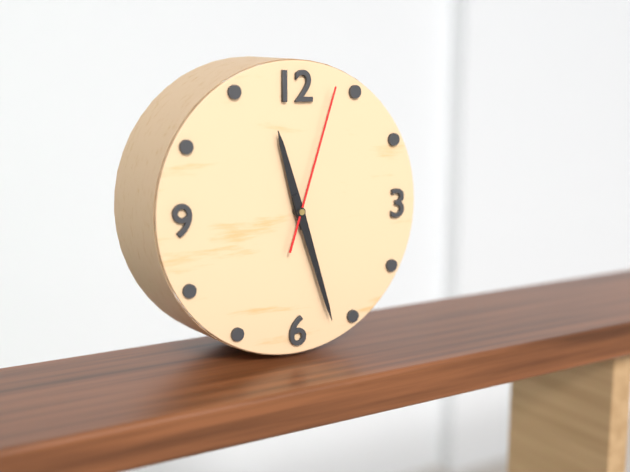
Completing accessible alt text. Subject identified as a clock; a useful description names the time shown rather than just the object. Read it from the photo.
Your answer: 11:27:03
